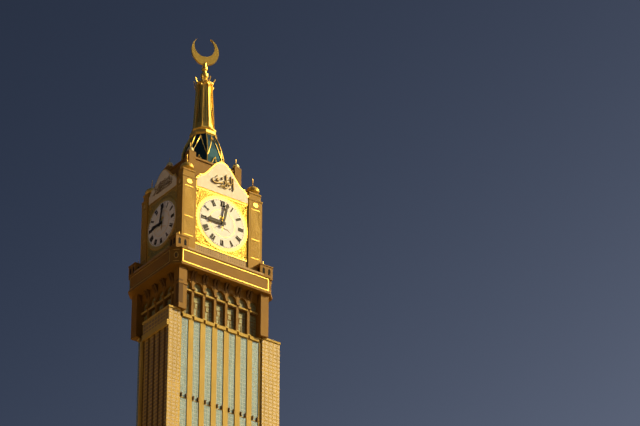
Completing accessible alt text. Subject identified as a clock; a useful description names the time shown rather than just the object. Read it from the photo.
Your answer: 9:02
